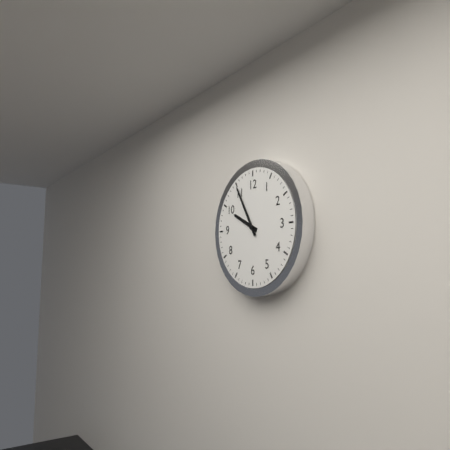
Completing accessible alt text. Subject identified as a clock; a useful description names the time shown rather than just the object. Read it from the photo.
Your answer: 9:55
